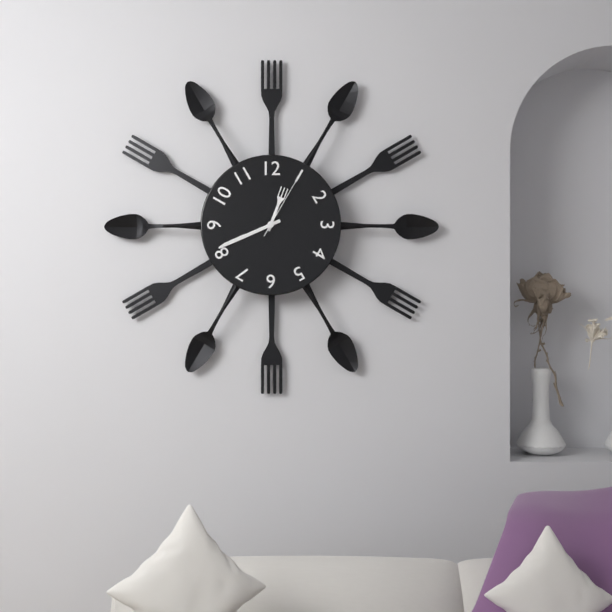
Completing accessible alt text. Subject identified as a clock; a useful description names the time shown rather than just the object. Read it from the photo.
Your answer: 12:41:05
